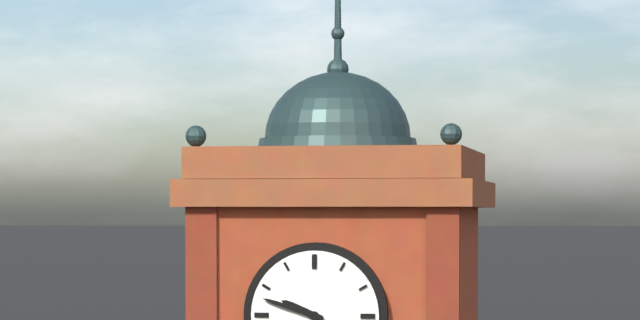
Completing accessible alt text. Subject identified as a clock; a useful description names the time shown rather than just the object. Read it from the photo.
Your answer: 9:48
